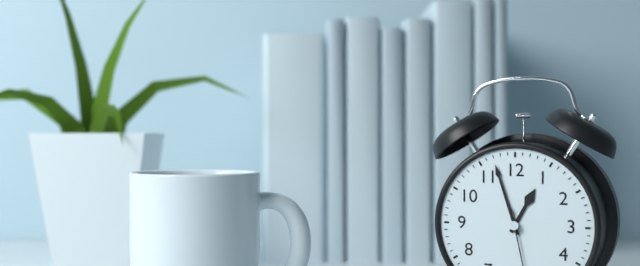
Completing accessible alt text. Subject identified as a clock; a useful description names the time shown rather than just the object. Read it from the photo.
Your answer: 12:57
